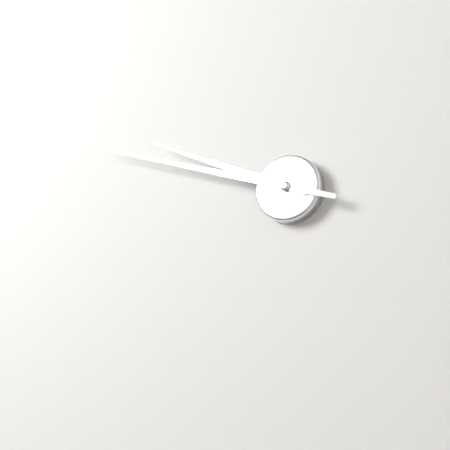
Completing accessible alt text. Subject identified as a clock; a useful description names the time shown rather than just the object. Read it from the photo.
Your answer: 9:48
